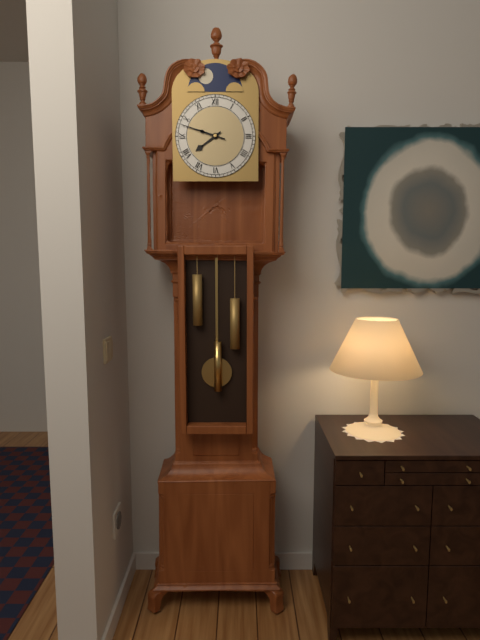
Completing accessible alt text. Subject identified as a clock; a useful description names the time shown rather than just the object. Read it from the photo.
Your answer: 7:48
